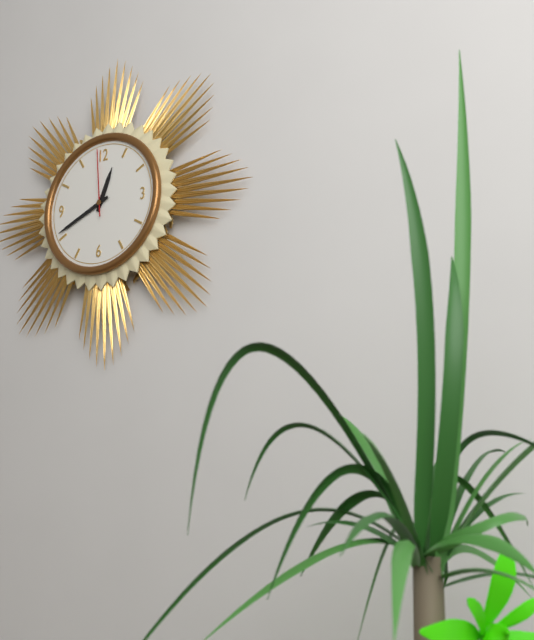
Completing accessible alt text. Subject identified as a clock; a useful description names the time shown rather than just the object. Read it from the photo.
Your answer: 12:41:59
